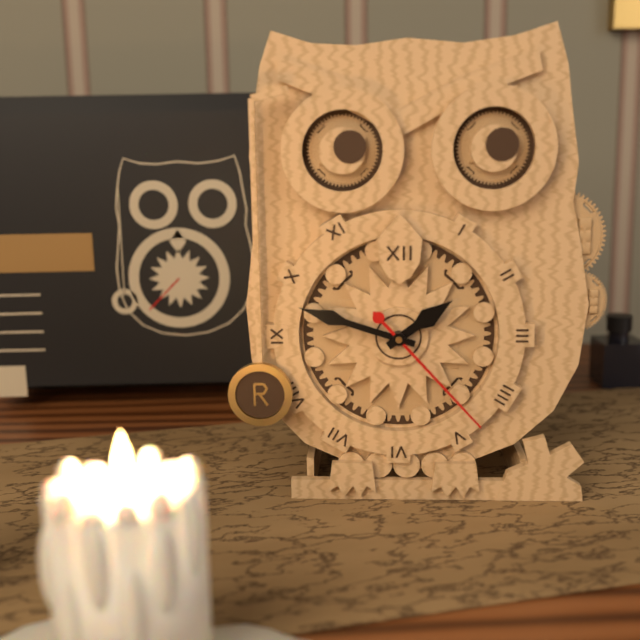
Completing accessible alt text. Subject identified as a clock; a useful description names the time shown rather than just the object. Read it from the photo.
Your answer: 1:48:23
